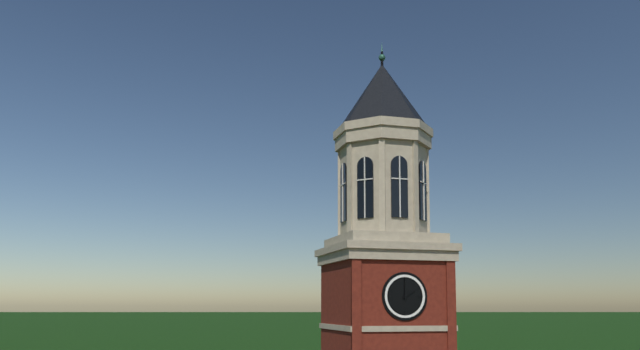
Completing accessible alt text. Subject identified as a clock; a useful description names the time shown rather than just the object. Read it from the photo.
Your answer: 2:00
